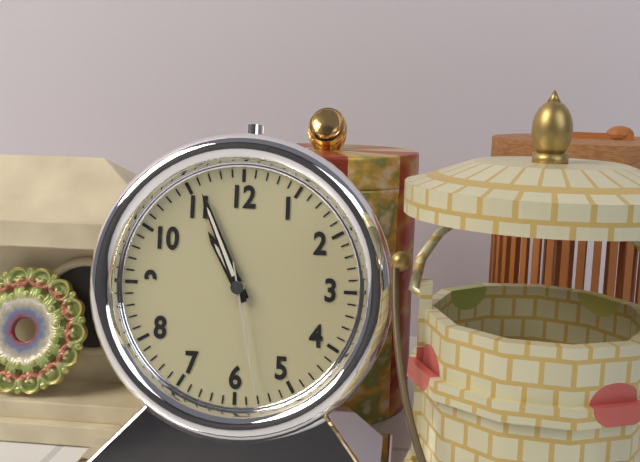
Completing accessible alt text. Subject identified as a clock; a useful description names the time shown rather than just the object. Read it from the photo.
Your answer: 10:56:28
